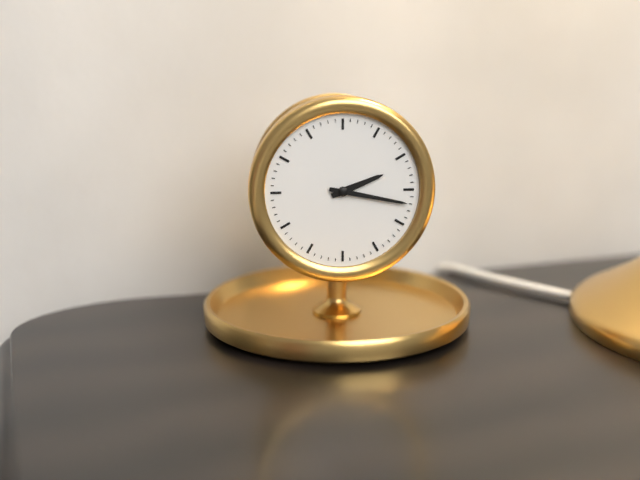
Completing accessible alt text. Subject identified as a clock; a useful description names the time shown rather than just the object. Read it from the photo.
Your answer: 2:17
